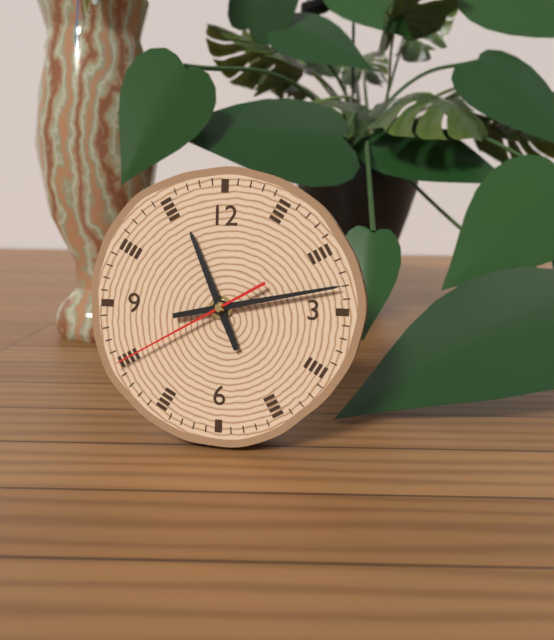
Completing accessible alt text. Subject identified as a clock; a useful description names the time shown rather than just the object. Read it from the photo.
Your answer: 11:13:40
